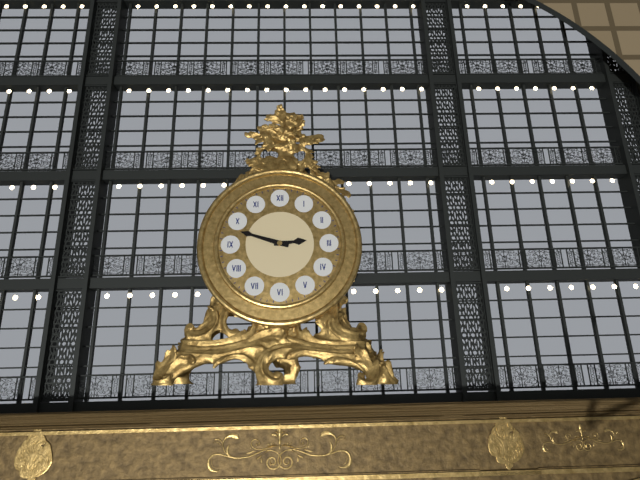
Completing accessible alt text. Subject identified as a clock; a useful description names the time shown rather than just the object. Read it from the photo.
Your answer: 2:48
